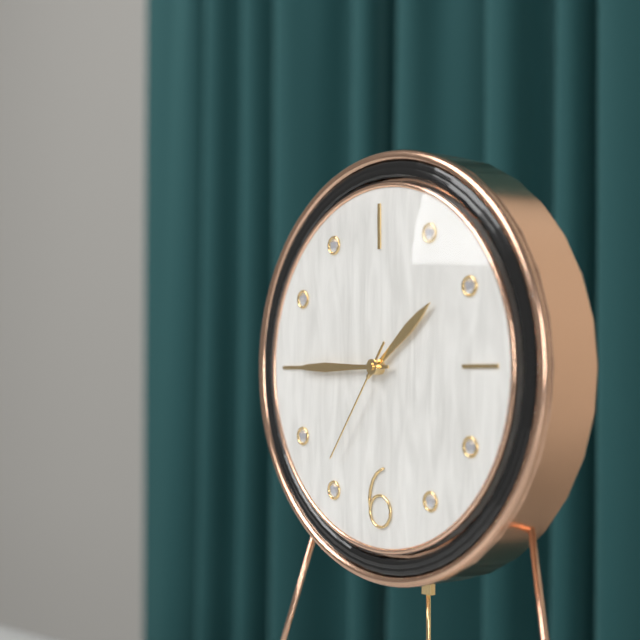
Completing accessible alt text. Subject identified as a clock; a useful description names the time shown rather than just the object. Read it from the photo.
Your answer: 1:45:36
